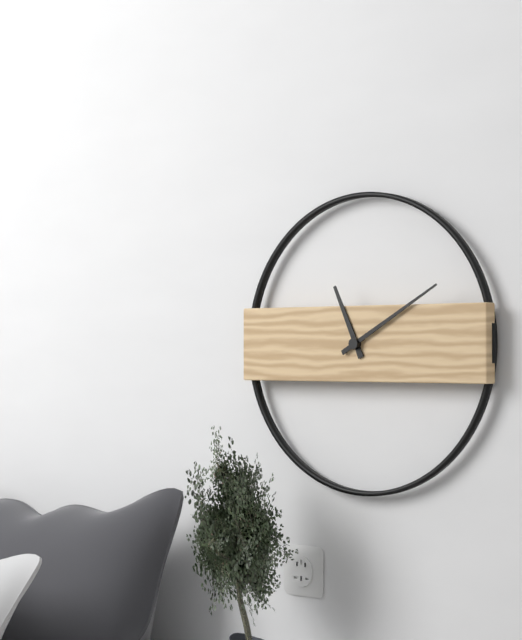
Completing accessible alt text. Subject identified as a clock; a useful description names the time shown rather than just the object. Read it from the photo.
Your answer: 11:10
